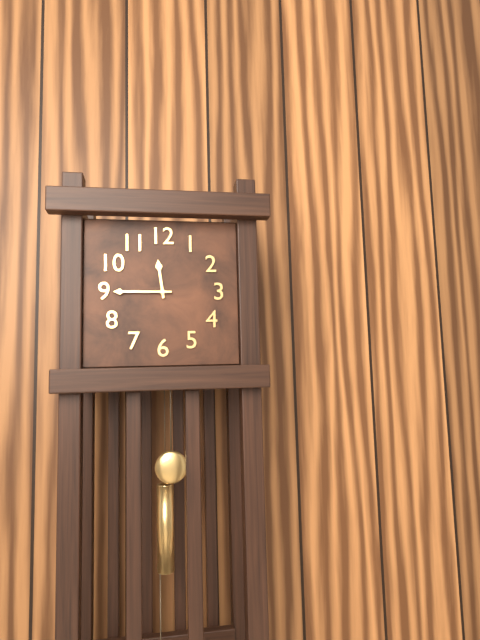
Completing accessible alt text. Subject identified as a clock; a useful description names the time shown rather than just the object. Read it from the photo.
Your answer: 11:45
